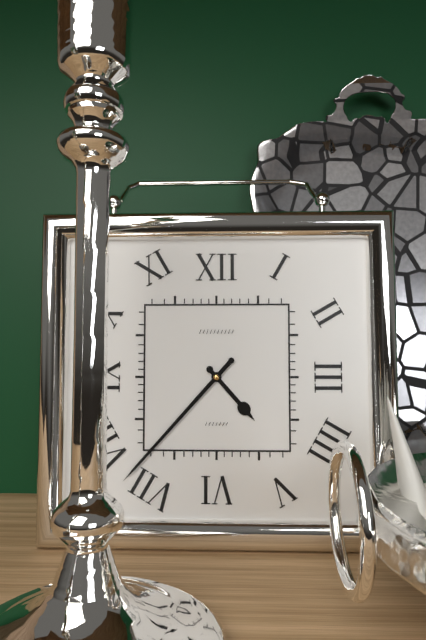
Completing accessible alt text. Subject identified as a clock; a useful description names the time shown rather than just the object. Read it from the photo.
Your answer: 4:37
